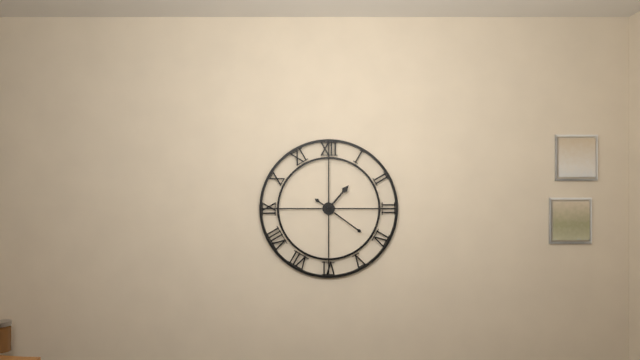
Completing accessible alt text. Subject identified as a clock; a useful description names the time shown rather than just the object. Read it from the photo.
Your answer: 1:21
